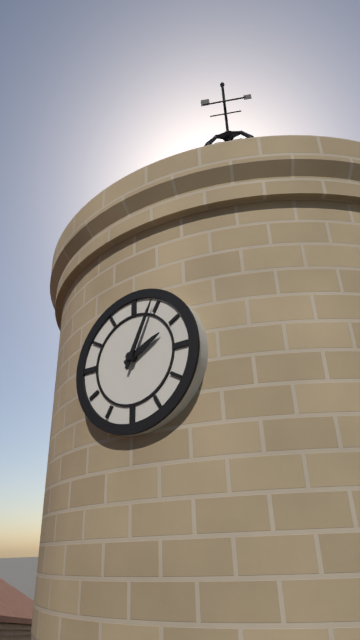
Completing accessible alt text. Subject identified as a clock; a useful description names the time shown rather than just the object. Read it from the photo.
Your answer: 2:04
